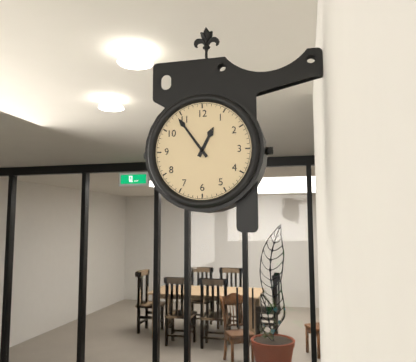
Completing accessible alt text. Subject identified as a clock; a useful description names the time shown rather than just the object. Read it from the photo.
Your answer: 12:54
